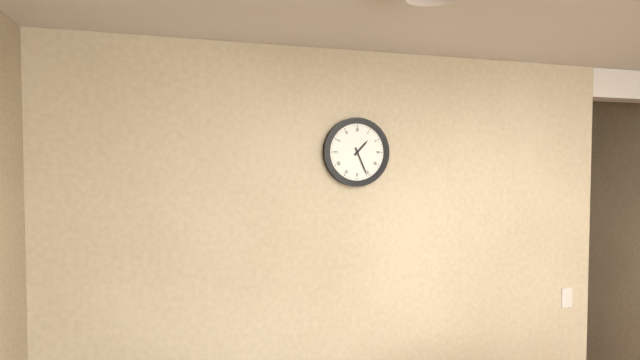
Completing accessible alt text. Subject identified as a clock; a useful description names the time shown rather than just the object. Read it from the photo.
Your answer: 1:26
